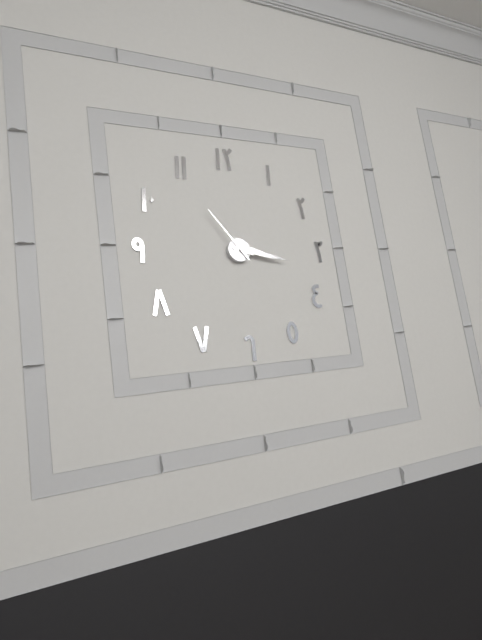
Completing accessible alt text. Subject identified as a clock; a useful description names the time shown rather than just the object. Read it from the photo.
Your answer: 3:17:54
